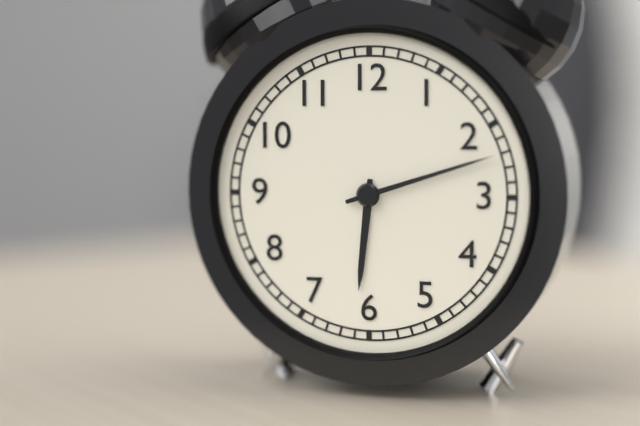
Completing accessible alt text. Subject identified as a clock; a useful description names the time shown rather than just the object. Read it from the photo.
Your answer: 6:12
